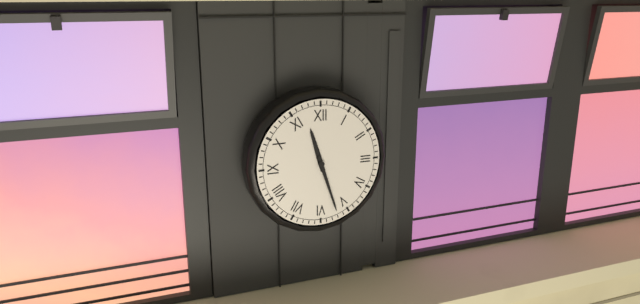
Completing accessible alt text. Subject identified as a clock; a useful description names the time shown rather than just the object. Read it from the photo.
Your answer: 11:27
